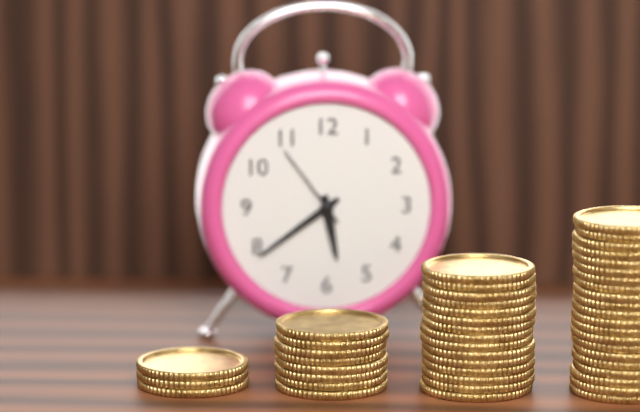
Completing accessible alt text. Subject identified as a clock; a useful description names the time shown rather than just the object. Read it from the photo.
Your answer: 5:39:54
